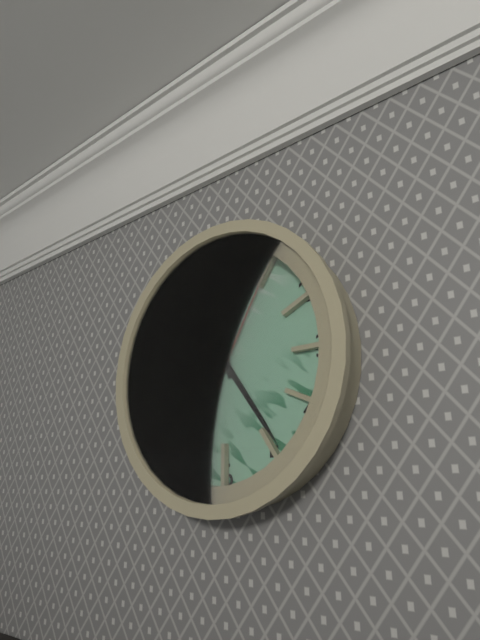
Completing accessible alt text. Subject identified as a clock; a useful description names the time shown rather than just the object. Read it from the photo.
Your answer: 11:24:05
